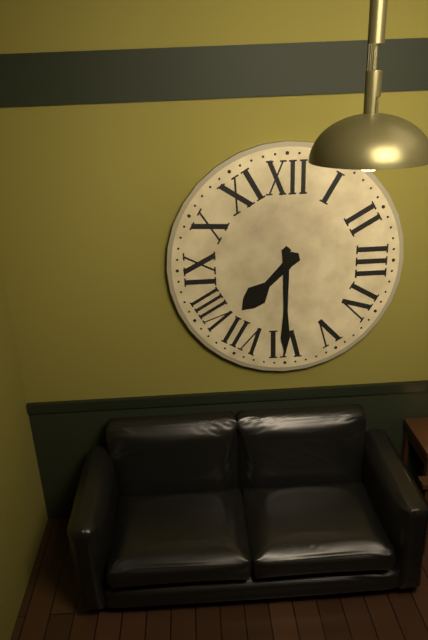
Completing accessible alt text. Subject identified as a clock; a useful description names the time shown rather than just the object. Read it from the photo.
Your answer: 7:30
